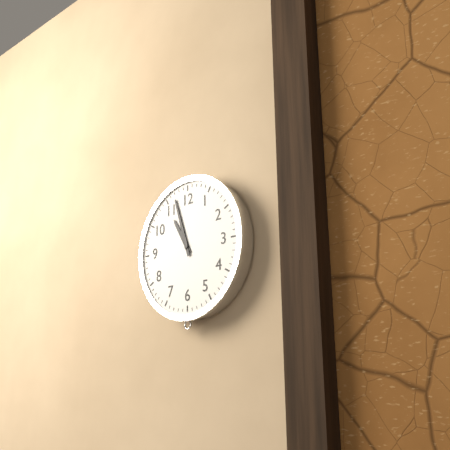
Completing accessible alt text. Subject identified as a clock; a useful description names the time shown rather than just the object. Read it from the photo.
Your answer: 10:57
